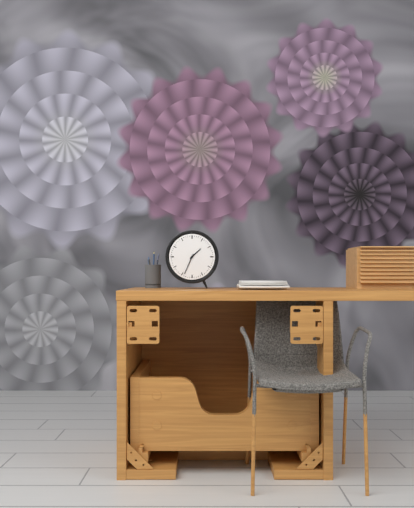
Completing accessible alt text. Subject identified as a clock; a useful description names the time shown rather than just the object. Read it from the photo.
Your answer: 1:34
